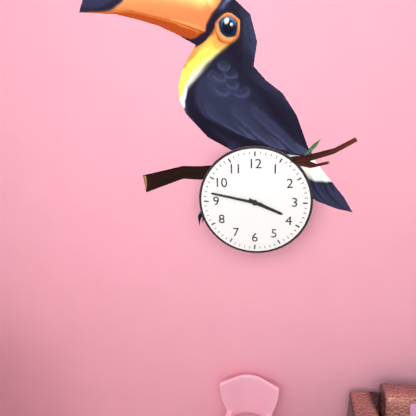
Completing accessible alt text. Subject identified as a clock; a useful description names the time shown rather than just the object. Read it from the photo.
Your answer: 3:47
